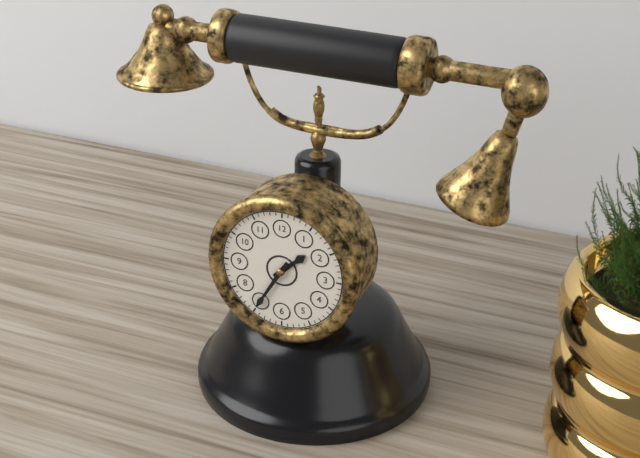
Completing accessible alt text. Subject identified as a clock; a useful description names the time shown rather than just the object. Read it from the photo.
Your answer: 1:35
